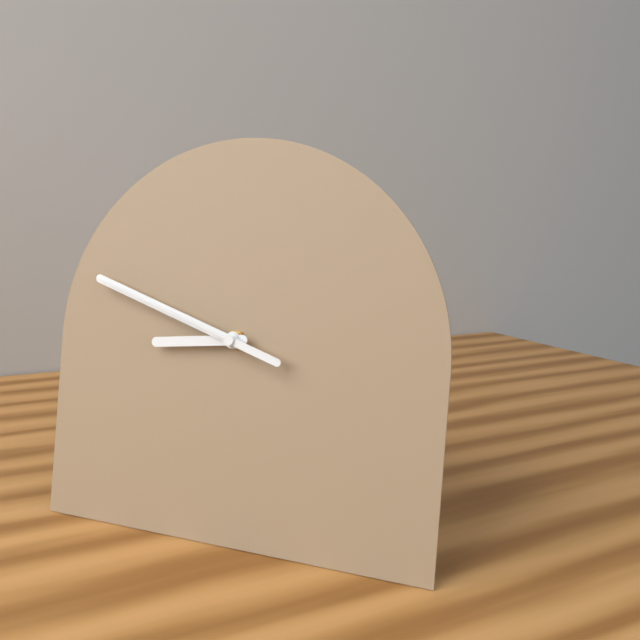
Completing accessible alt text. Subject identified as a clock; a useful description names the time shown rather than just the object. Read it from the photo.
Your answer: 8:48:48
